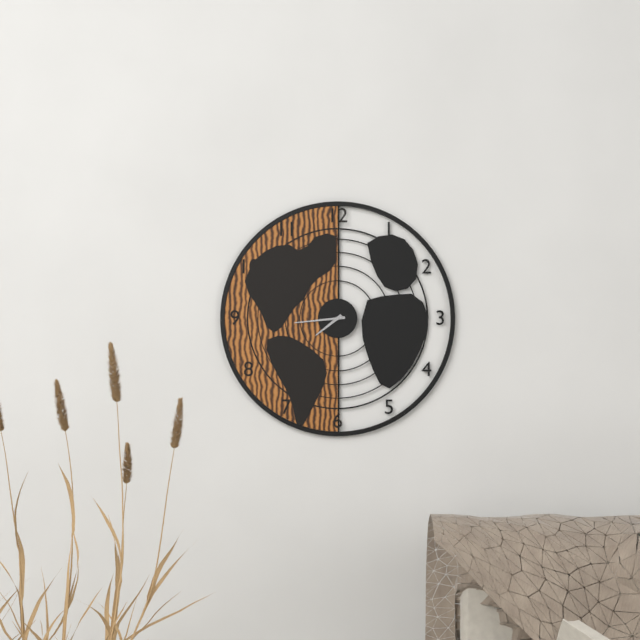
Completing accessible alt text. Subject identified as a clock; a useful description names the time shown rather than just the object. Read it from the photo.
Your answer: 7:44
